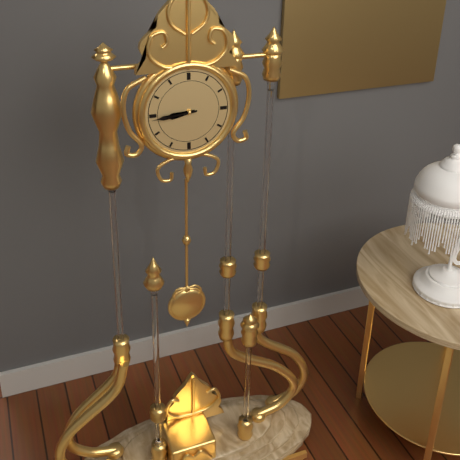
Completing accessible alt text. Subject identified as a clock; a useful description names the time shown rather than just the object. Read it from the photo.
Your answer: 8:44
